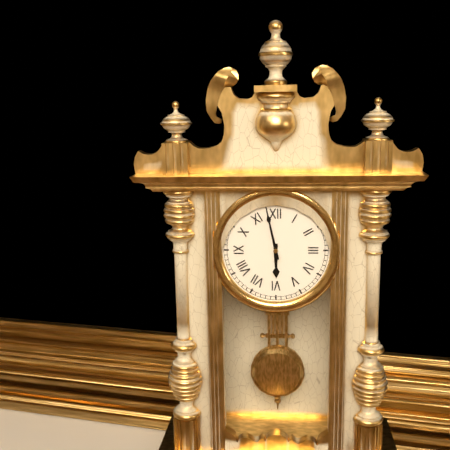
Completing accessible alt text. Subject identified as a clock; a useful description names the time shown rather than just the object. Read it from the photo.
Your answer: 5:58
